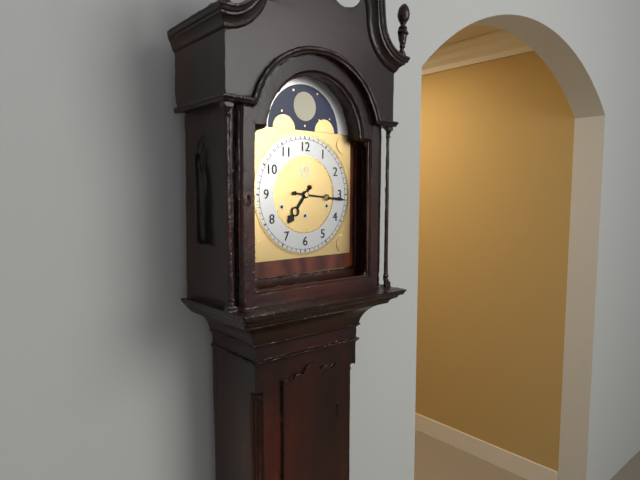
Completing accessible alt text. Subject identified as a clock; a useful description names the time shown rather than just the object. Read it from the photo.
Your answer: 7:16
